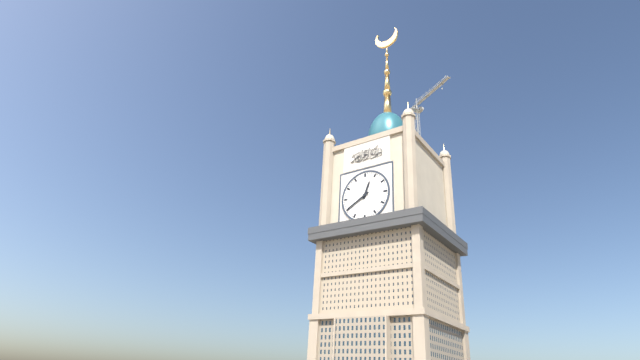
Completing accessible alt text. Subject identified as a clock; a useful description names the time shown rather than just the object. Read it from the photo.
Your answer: 12:40
